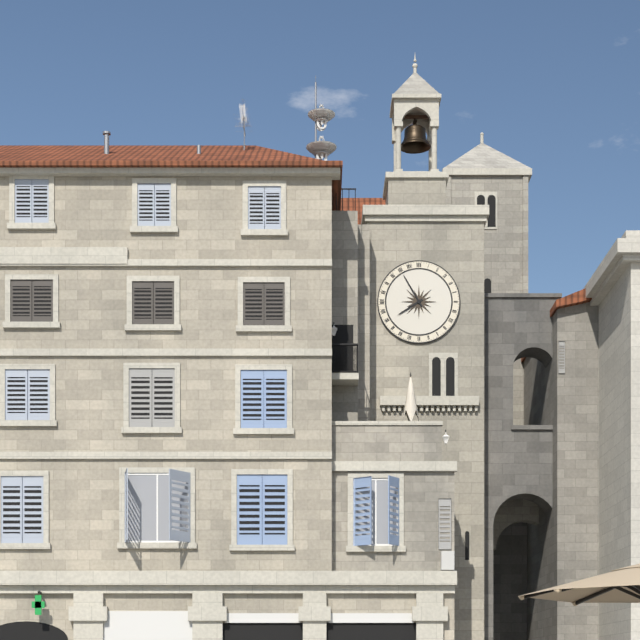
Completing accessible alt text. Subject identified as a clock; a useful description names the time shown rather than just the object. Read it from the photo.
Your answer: 7:55
